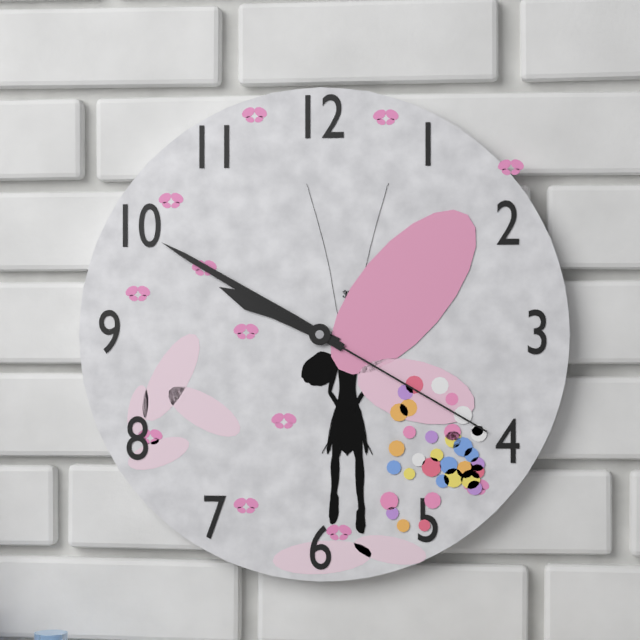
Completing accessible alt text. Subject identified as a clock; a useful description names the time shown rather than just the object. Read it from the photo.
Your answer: 9:50:20
